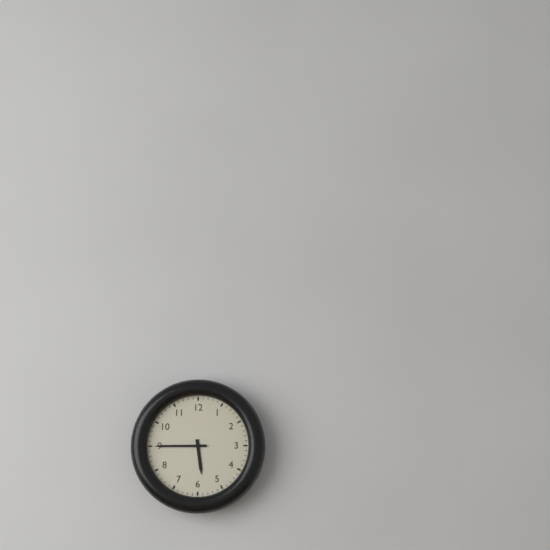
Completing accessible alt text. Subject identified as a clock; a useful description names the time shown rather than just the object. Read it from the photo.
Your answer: 5:45
